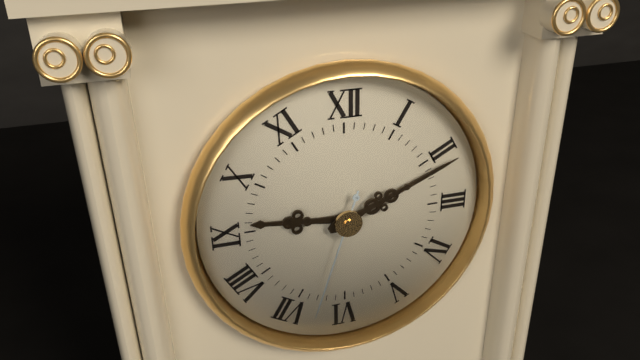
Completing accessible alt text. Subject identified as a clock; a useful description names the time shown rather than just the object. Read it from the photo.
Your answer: 9:11:33
